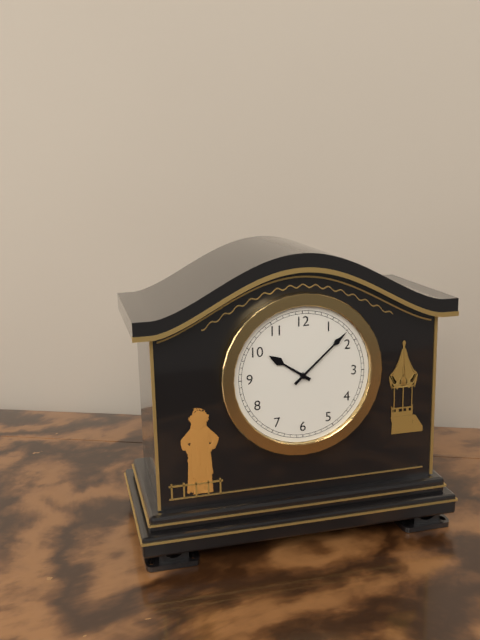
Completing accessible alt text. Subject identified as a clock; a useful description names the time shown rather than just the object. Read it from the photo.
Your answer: 10:08
